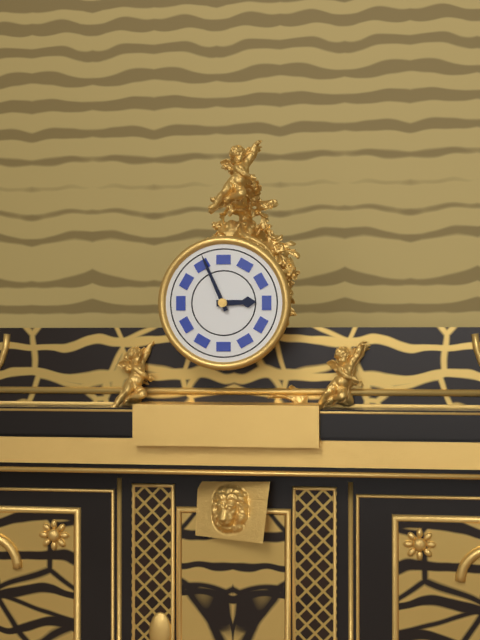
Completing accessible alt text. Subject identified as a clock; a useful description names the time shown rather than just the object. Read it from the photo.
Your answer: 2:56
